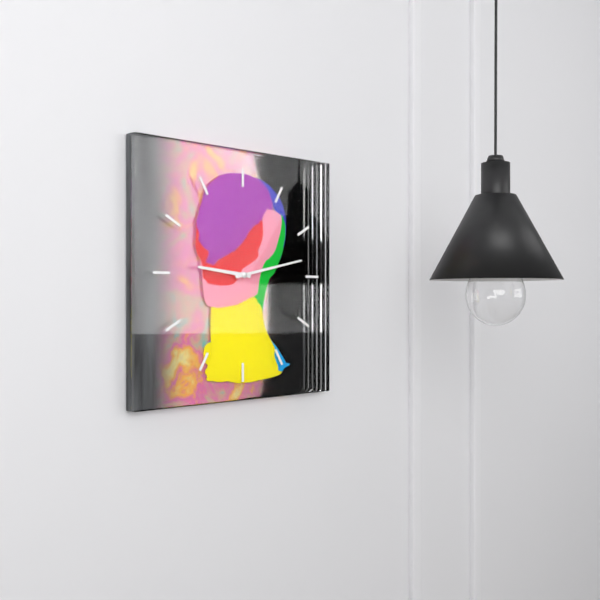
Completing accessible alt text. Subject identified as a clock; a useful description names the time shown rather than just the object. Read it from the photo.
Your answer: 9:13
